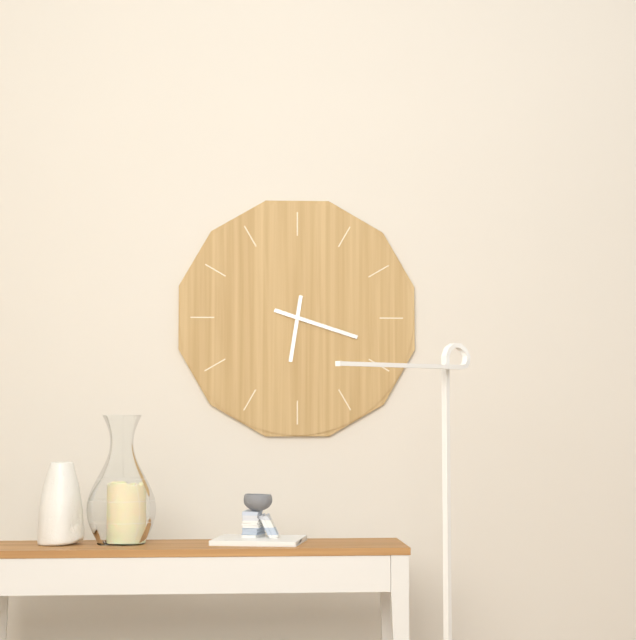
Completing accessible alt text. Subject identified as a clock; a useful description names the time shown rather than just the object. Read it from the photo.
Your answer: 6:18
